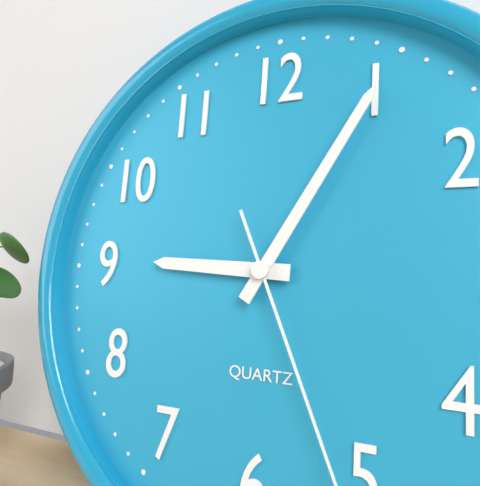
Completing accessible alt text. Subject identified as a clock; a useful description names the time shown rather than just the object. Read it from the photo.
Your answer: 9:05
